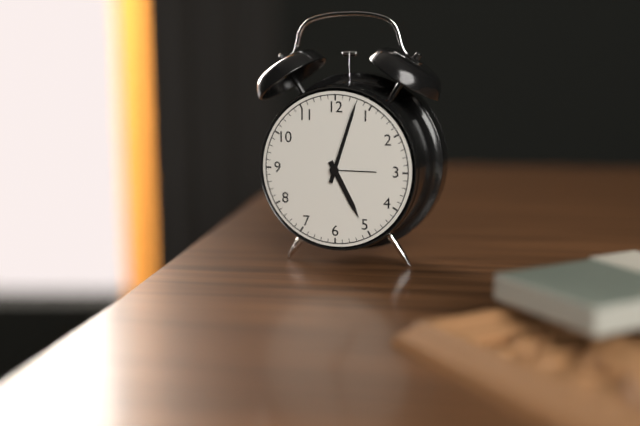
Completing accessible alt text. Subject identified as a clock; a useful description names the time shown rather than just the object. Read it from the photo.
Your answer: 5:03
